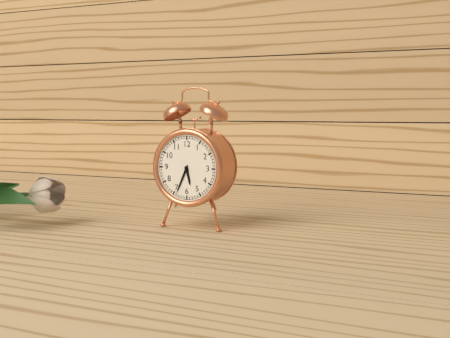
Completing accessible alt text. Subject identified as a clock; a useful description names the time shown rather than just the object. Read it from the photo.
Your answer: 5:34
